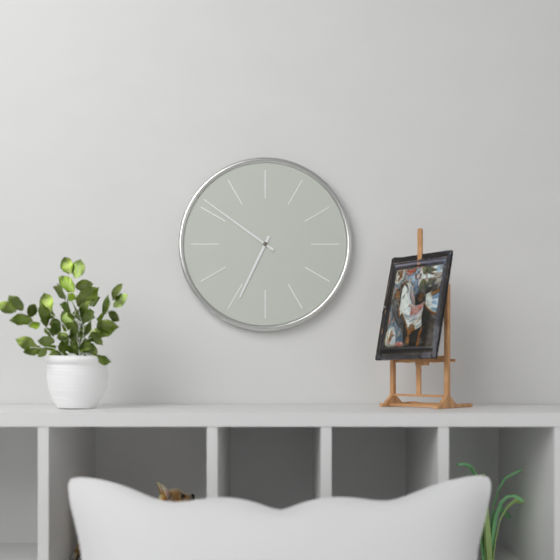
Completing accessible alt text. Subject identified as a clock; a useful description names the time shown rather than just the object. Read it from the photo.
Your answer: 6:51
